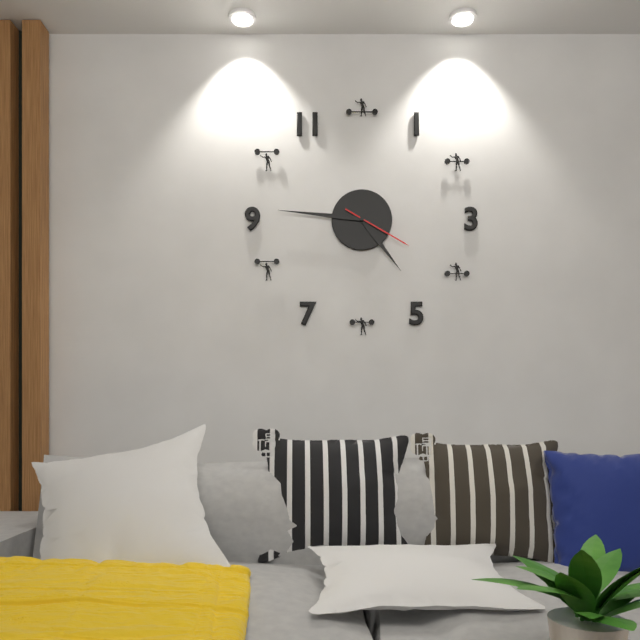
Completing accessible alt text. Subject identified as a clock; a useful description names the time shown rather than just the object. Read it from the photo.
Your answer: 4:46:20
